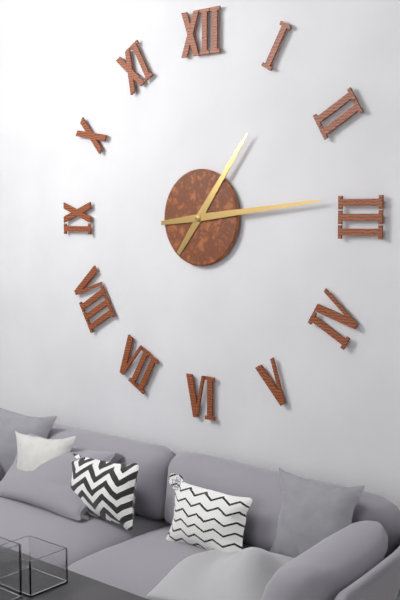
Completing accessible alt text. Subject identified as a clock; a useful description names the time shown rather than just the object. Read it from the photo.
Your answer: 1:14
